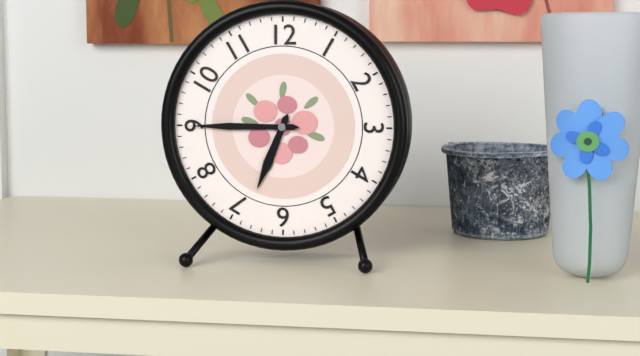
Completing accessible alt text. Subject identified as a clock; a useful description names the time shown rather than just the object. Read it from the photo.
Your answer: 6:45
